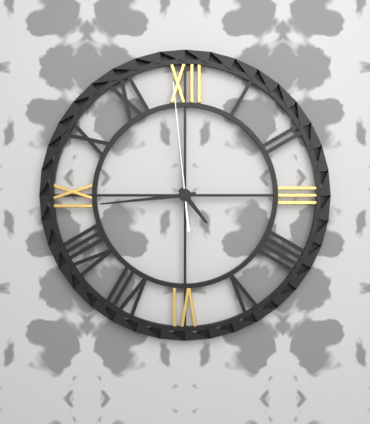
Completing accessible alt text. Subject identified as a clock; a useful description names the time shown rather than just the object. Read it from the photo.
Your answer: 4:44:59
